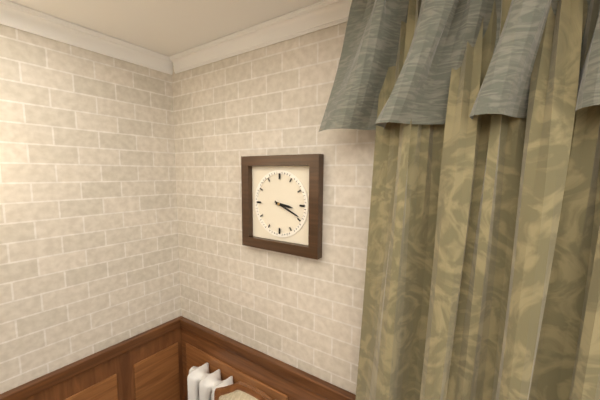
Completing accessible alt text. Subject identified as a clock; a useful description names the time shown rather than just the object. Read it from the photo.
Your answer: 3:19
